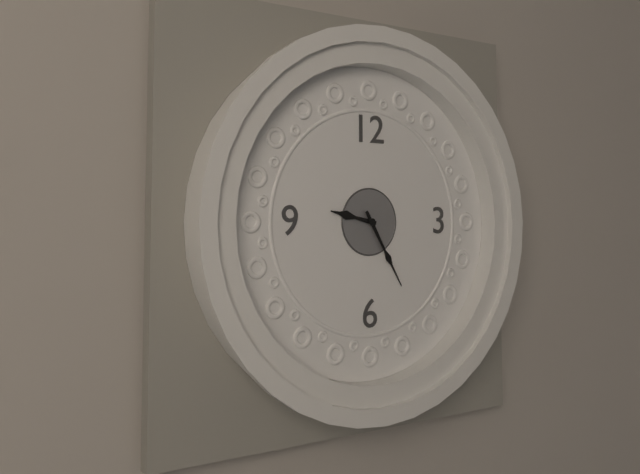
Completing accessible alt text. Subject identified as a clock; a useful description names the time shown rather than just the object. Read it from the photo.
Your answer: 9:25
